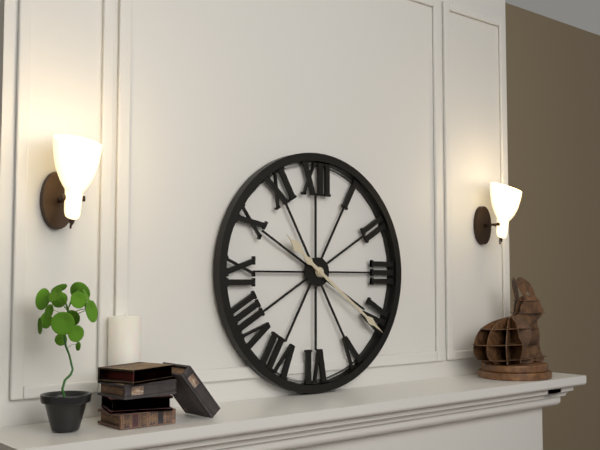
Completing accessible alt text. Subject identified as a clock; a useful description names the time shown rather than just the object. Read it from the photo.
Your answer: 10:21
